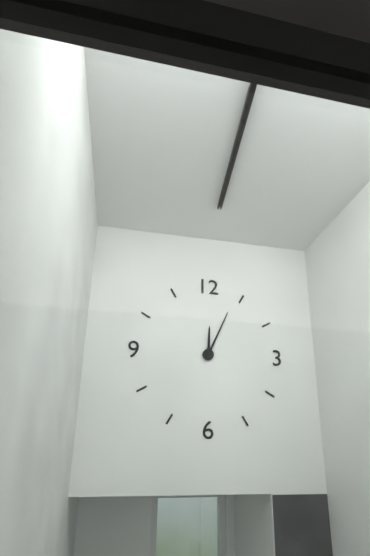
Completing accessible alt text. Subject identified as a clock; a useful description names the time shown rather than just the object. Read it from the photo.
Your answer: 12:04
